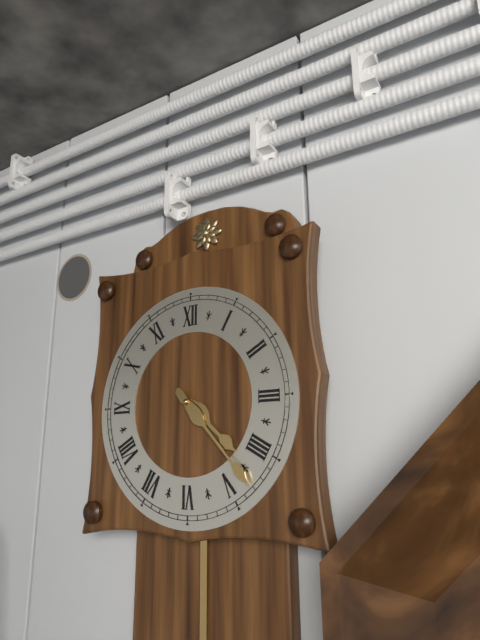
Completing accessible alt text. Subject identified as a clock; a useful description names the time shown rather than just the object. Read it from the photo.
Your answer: 4:23
